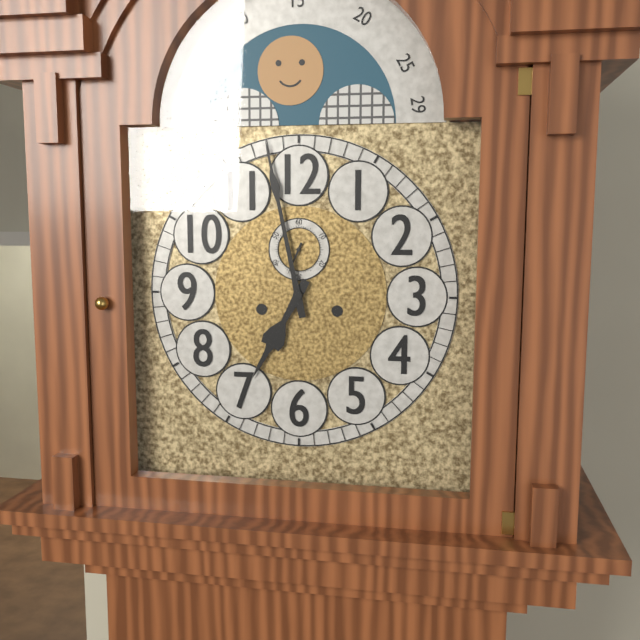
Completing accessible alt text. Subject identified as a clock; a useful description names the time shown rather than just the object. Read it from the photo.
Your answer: 6:58
